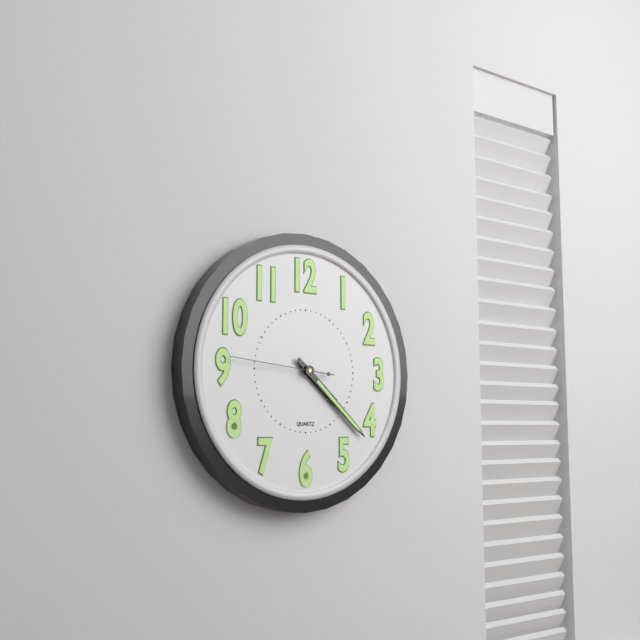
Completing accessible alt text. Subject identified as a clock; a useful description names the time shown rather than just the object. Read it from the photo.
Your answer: 4:22:46
